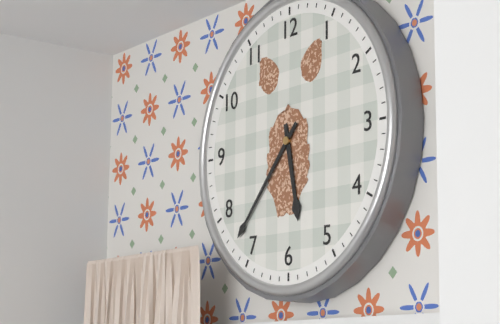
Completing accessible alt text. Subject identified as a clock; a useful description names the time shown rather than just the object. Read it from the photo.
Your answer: 5:37
